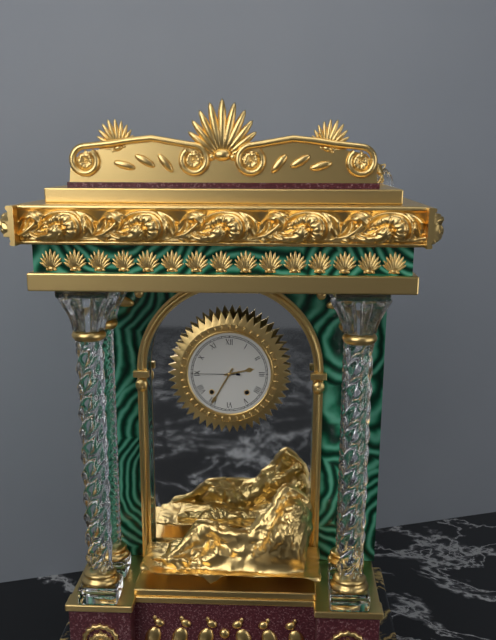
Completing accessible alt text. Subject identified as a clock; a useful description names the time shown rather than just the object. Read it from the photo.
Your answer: 2:35
